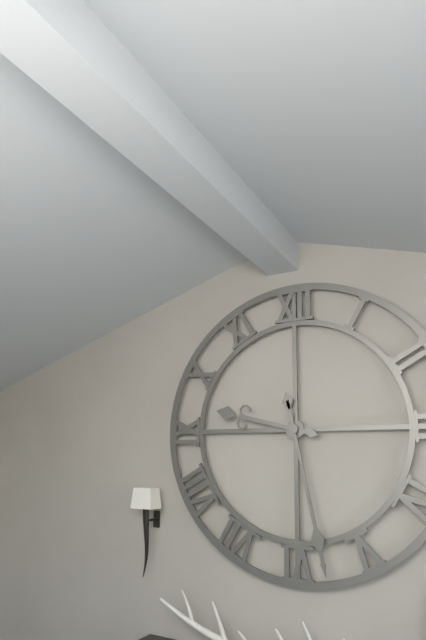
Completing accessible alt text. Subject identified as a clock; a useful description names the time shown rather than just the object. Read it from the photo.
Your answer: 9:28
